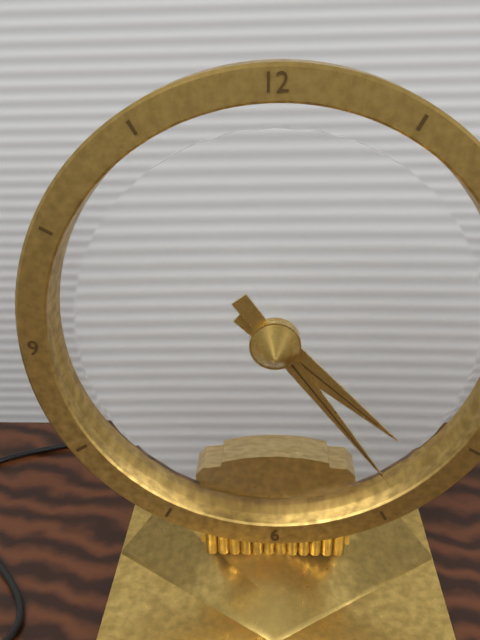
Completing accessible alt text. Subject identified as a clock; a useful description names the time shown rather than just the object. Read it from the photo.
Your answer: 4:24
